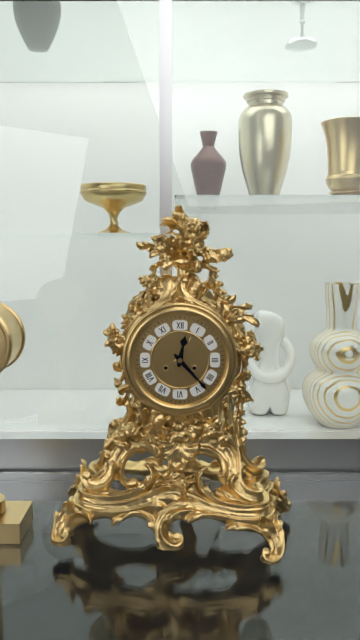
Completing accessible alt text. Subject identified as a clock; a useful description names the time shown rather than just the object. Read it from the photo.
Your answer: 12:23
